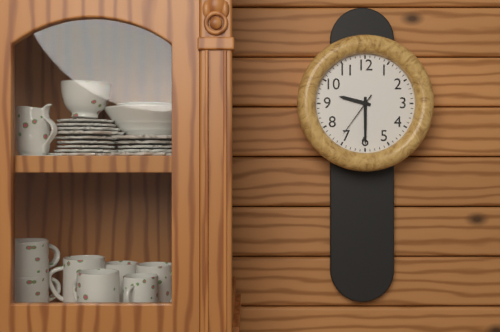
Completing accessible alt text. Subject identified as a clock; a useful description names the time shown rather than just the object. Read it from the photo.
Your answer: 9:30
